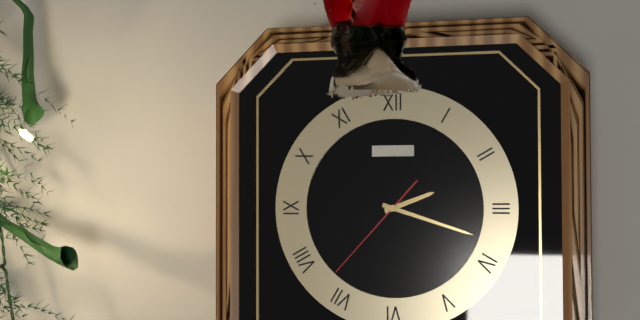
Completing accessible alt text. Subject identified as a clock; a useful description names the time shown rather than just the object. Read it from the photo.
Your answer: 2:18:37
